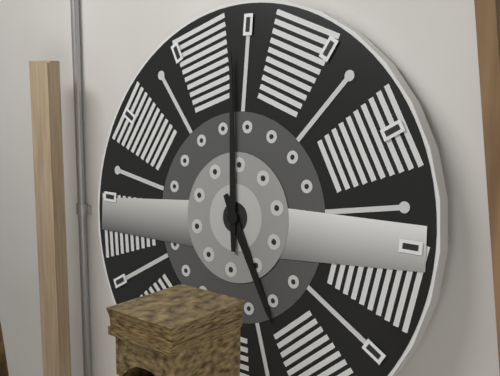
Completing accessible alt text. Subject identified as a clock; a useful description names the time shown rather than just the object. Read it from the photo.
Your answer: 4:59
